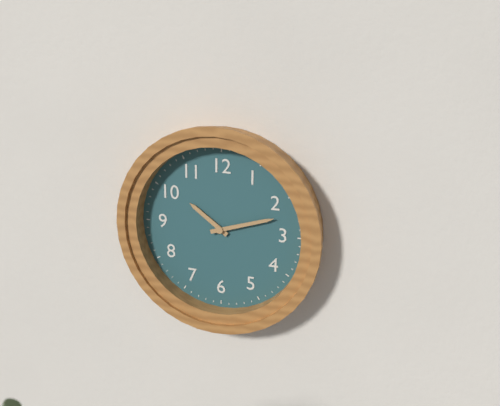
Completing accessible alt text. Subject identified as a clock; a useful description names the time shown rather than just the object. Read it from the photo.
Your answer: 10:12
